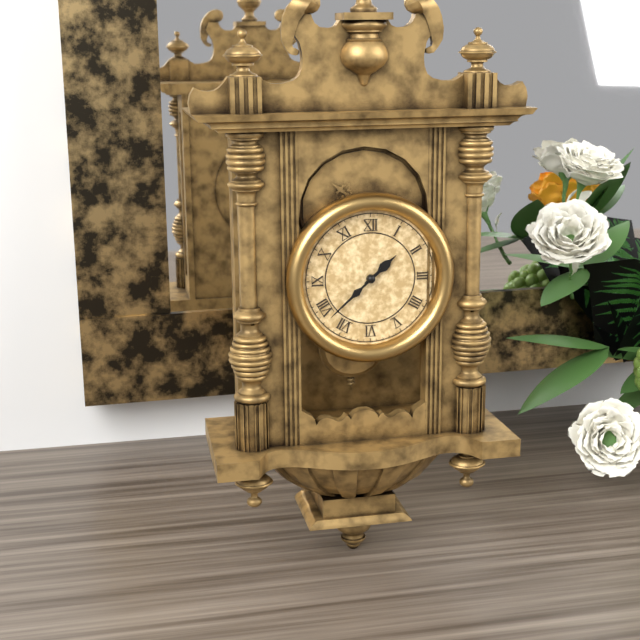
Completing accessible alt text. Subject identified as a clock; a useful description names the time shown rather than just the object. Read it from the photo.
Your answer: 1:38
